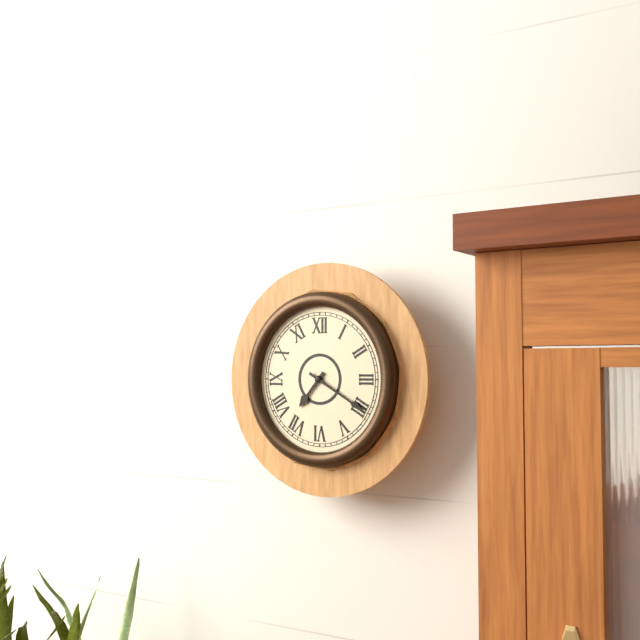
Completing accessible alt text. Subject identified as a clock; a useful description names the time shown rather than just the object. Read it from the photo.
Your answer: 7:20
